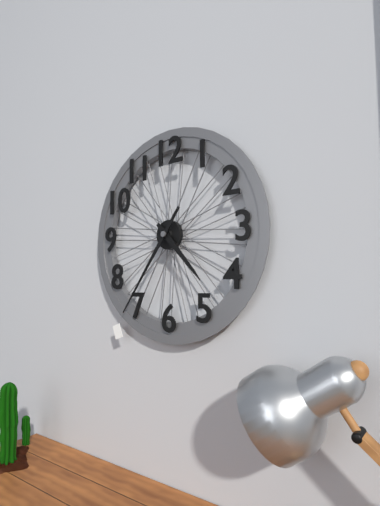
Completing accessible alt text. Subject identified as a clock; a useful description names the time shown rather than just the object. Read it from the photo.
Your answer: 4:36
